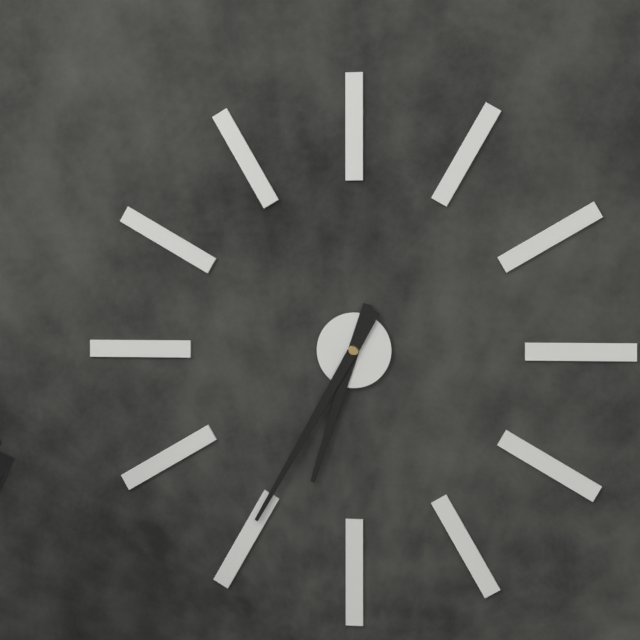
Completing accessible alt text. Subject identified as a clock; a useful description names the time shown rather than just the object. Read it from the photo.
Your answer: 6:35
